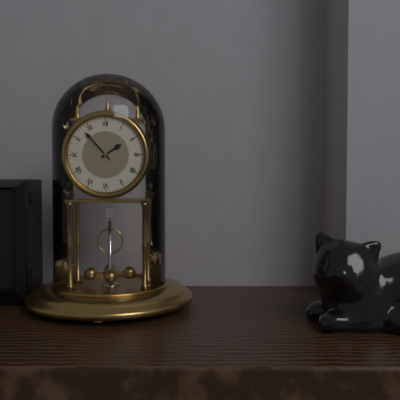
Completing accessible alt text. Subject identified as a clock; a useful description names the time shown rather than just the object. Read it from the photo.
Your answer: 1:53
